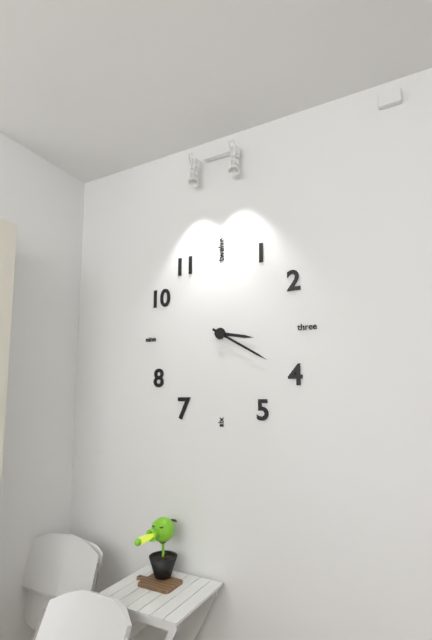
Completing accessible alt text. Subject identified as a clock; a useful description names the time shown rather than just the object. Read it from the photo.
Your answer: 3:20
